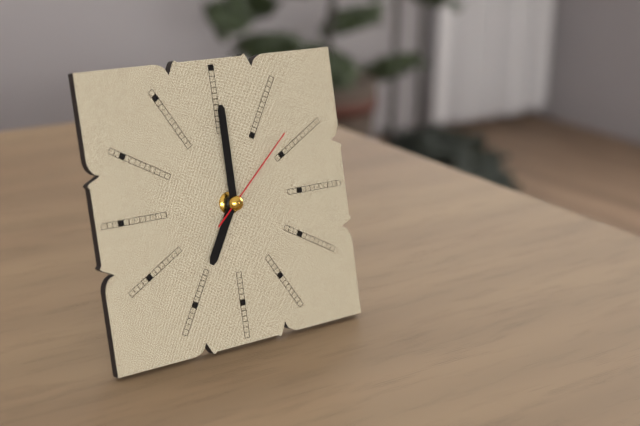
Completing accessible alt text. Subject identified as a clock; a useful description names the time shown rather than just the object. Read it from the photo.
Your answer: 7:00:08
